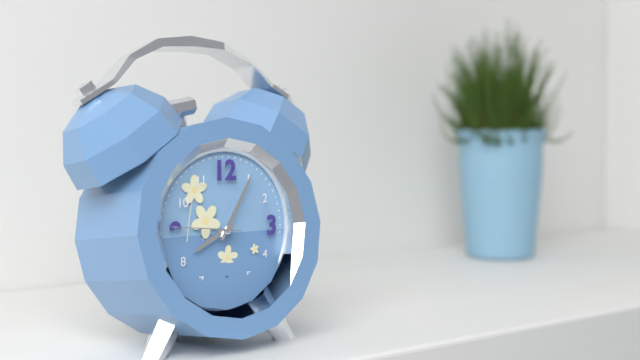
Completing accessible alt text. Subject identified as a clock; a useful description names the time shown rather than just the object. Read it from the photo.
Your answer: 8:05:46
